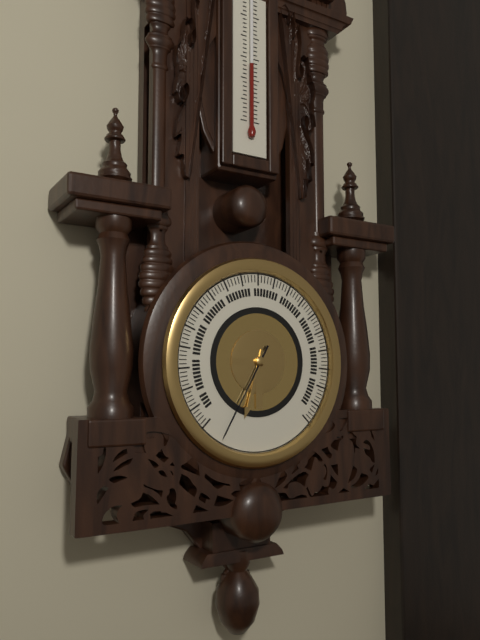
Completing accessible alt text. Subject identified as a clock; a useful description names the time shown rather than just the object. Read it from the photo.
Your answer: 6:35
